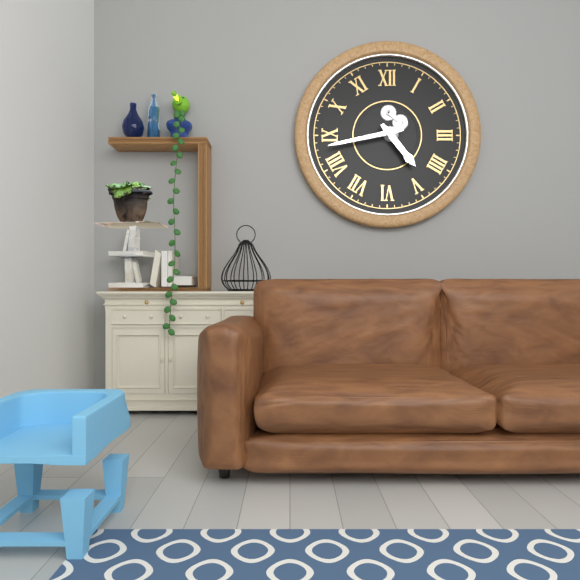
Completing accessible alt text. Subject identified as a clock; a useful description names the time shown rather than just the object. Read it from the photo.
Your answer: 4:43
